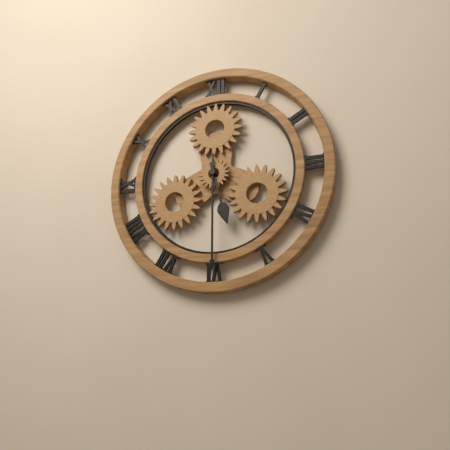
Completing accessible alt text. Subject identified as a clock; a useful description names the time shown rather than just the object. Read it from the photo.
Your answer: 5:30
